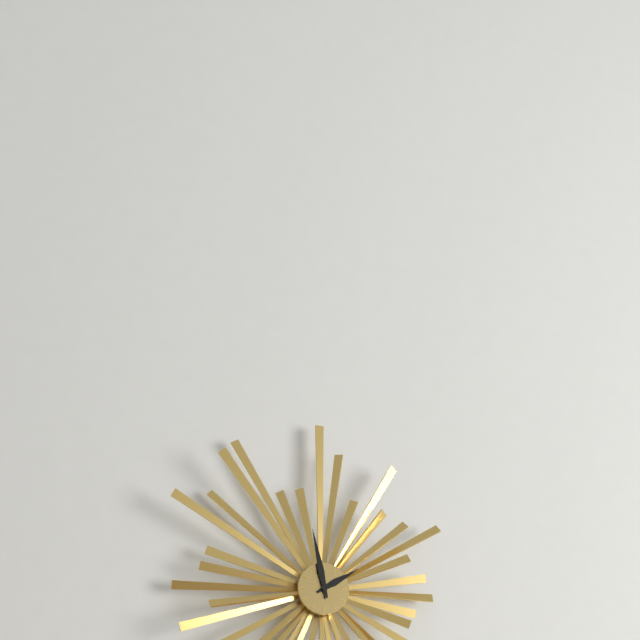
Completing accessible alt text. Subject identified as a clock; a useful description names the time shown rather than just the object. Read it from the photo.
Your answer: 1:58
